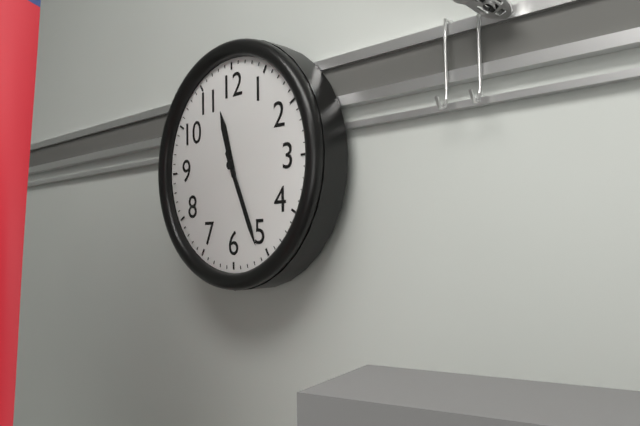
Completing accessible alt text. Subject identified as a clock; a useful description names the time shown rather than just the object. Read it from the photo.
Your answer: 11:26
